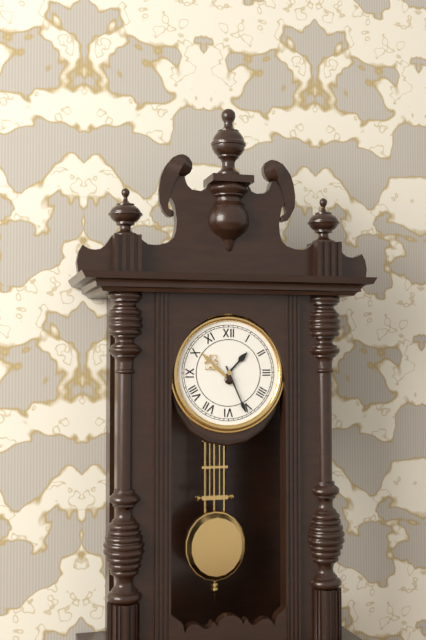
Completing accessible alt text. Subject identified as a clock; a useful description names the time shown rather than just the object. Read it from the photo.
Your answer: 1:26
